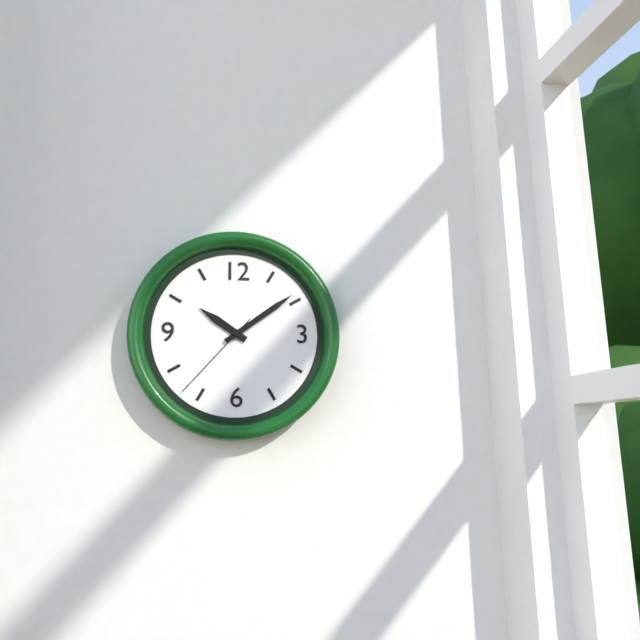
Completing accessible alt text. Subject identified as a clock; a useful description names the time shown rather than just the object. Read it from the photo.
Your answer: 10:09:37
